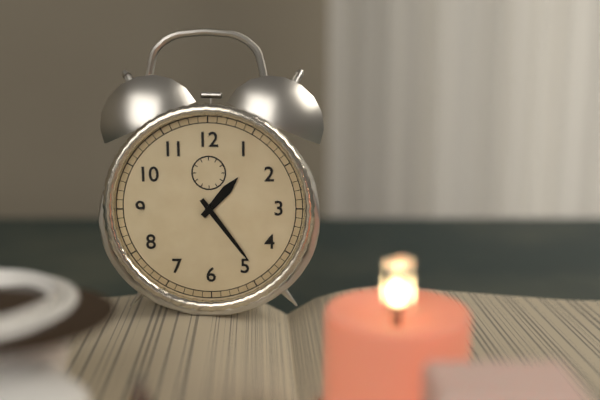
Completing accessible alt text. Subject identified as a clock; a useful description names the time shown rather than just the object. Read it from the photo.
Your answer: 1:24
